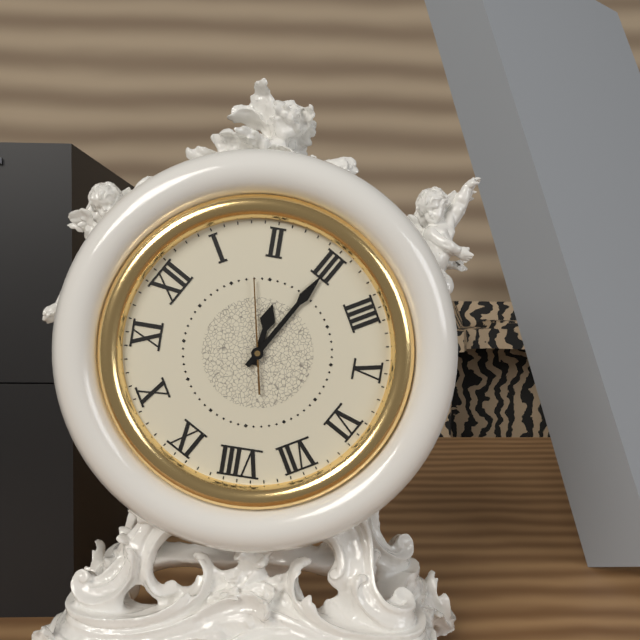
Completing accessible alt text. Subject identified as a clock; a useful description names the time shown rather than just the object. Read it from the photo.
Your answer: 2:15:08
